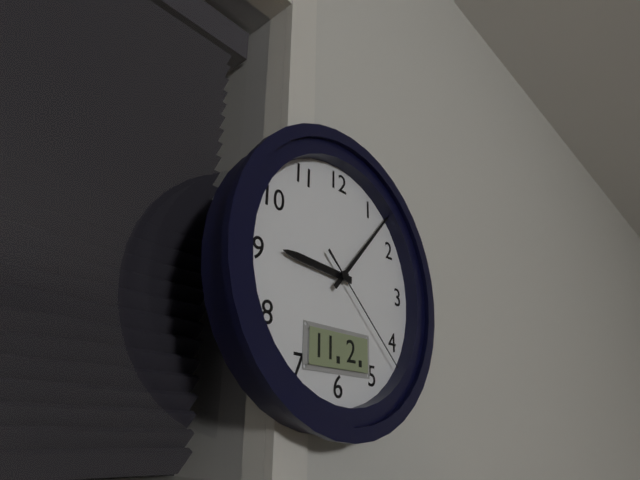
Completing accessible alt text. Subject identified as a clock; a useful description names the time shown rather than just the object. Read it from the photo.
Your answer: 9:07:22
